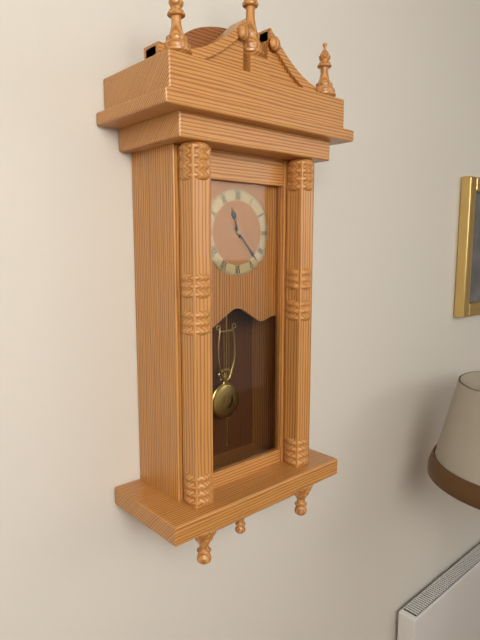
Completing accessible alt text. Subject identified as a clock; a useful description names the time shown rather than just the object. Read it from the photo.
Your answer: 11:23
